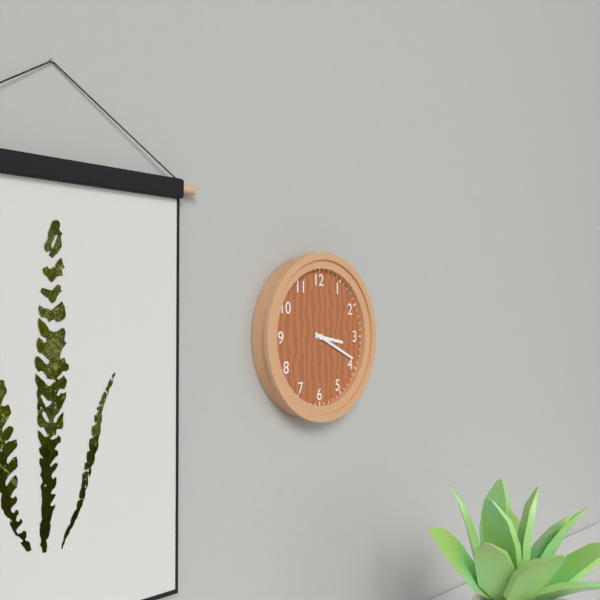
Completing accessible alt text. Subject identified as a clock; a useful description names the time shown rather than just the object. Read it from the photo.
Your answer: 3:19
